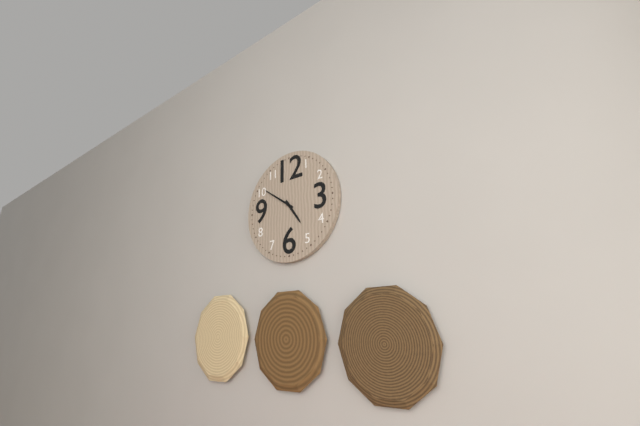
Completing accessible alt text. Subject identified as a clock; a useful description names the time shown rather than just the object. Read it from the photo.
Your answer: 4:51
